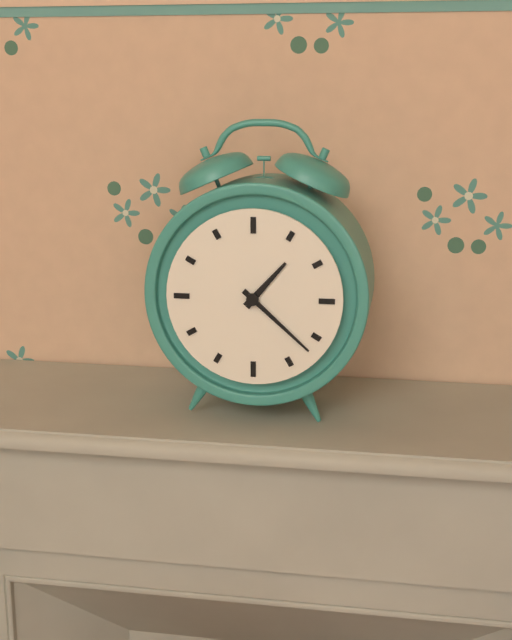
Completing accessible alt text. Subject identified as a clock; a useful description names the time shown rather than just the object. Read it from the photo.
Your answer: 1:22
